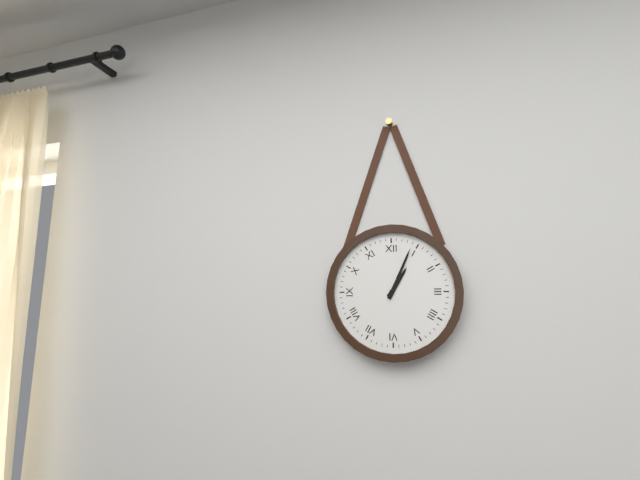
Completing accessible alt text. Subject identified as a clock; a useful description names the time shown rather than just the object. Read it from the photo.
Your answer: 1:04
